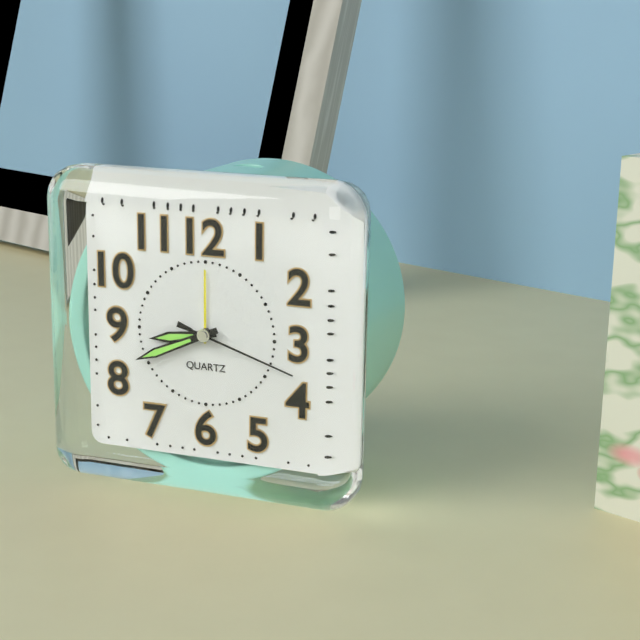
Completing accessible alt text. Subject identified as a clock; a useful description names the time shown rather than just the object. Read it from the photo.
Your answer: 8:41:18
